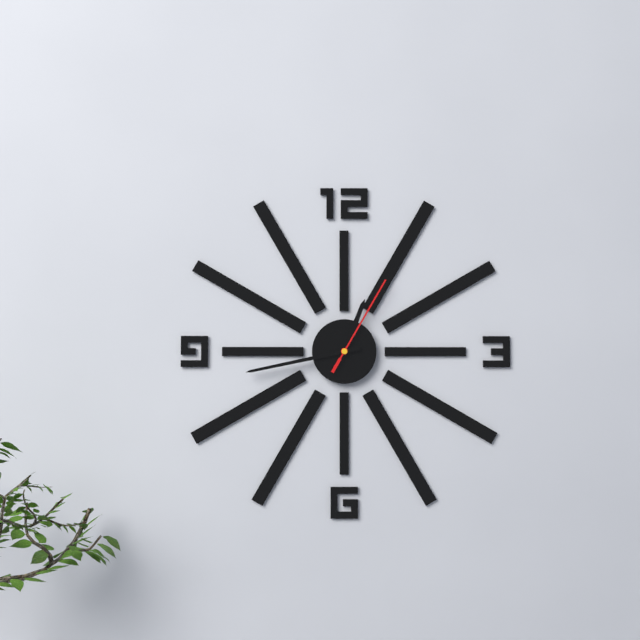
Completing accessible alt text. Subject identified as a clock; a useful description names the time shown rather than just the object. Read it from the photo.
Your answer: 12:43:05
